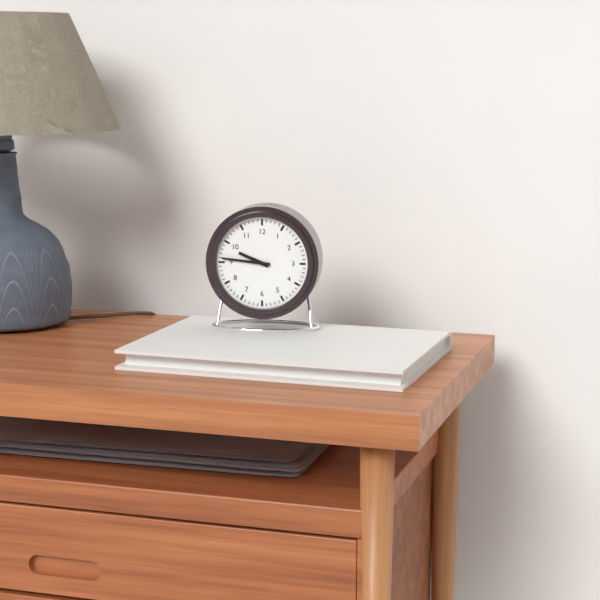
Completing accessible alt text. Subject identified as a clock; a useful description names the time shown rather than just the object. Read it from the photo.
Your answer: 9:46
